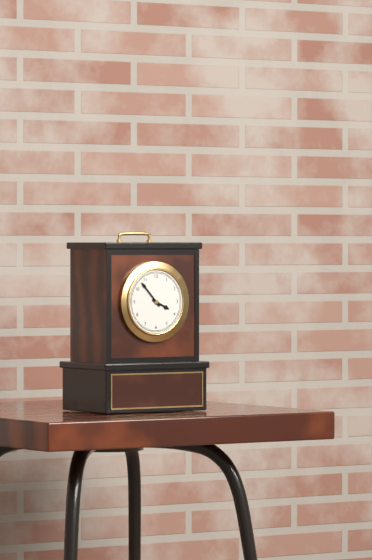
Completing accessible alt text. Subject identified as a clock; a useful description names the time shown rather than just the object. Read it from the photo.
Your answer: 3:53
